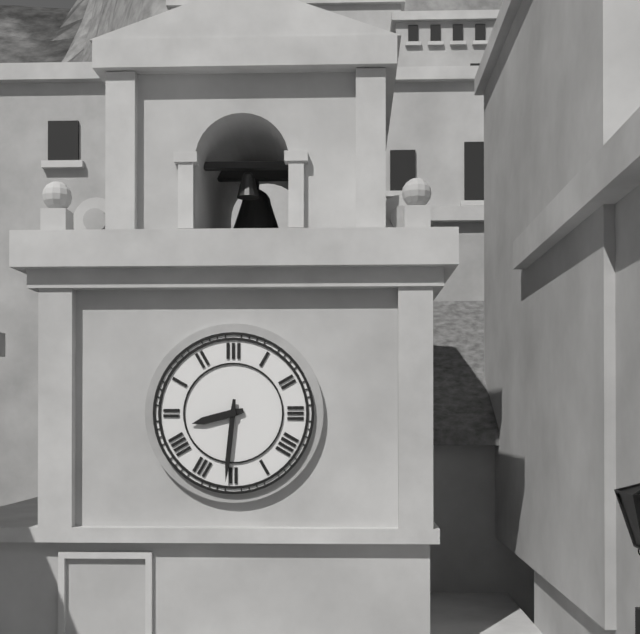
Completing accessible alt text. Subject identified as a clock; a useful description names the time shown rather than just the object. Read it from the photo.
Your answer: 8:31
